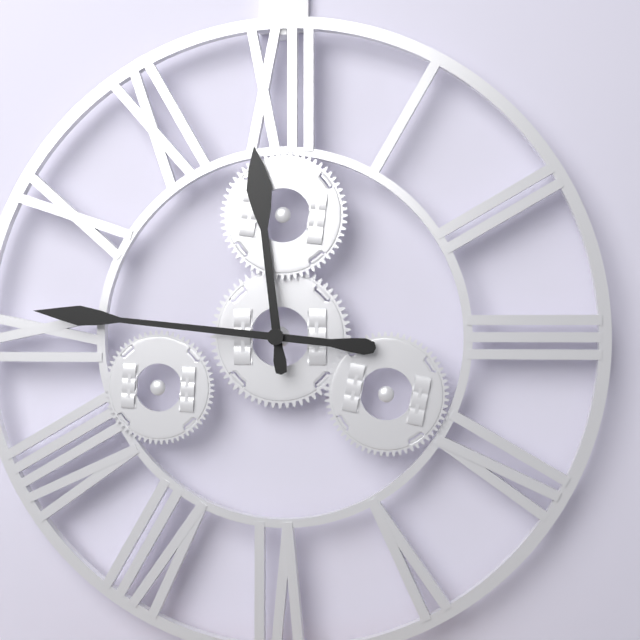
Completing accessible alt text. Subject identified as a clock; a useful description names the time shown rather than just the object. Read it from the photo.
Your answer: 11:46
